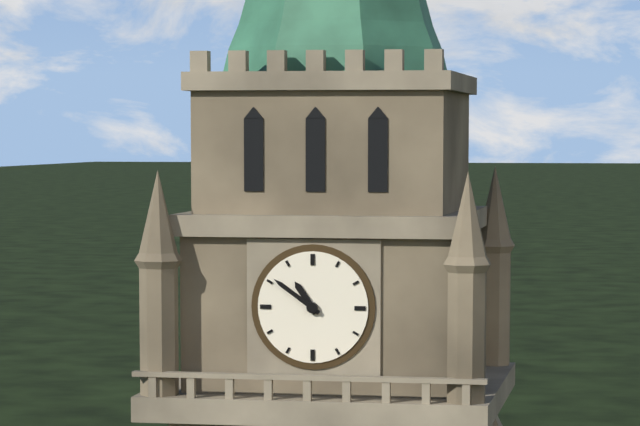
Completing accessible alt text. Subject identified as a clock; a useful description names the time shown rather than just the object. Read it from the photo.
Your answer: 10:51
